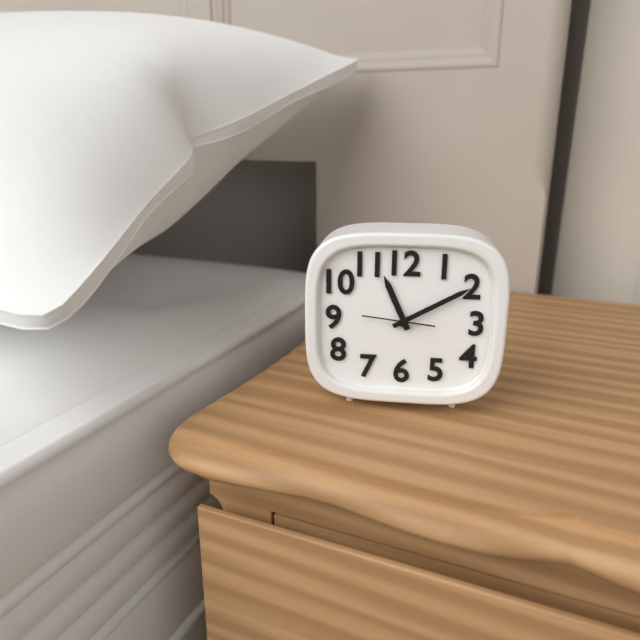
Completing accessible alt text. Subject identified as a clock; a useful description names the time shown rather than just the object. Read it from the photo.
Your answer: 11:10:46
